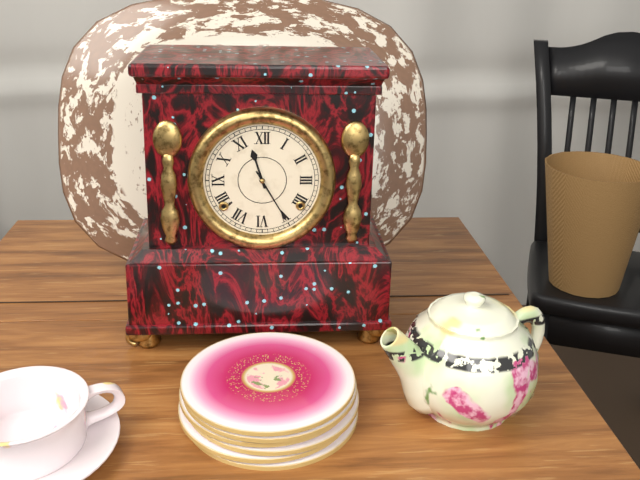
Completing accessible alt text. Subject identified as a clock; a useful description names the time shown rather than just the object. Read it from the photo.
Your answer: 11:25
